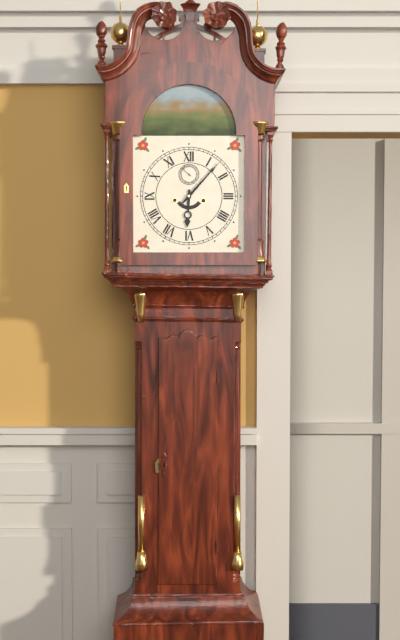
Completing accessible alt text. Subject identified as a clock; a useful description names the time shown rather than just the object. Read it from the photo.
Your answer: 6:07
